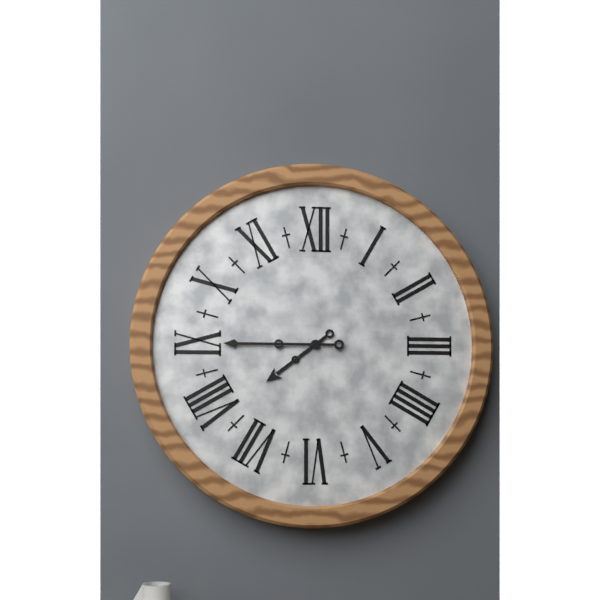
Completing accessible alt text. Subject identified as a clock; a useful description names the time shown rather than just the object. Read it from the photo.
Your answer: 7:45
